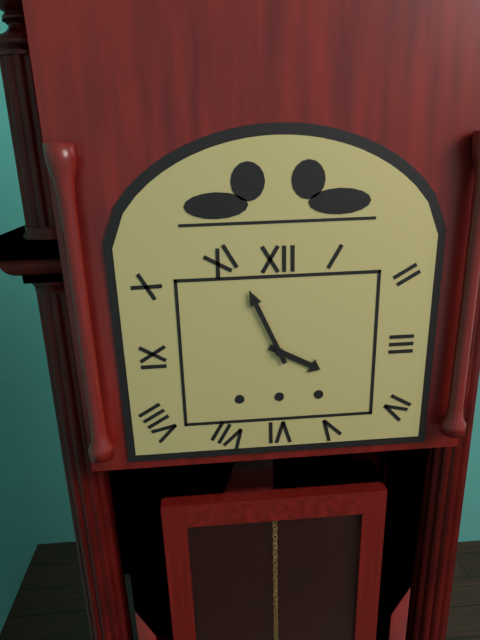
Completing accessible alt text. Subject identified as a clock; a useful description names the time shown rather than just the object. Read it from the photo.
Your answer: 3:56
